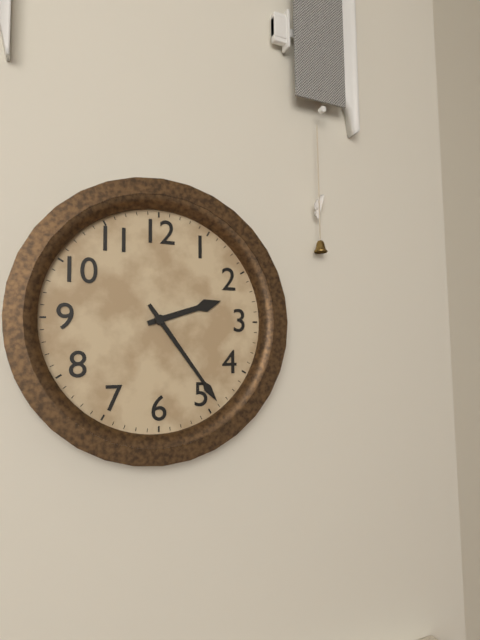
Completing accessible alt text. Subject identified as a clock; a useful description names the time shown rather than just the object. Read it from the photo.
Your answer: 2:24
